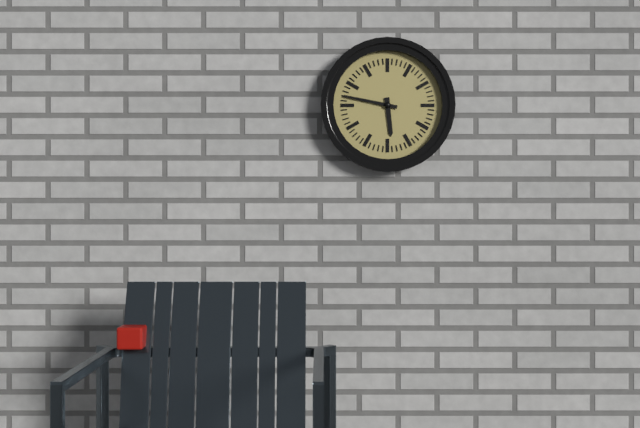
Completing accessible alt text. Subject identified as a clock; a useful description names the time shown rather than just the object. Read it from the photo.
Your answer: 5:47
